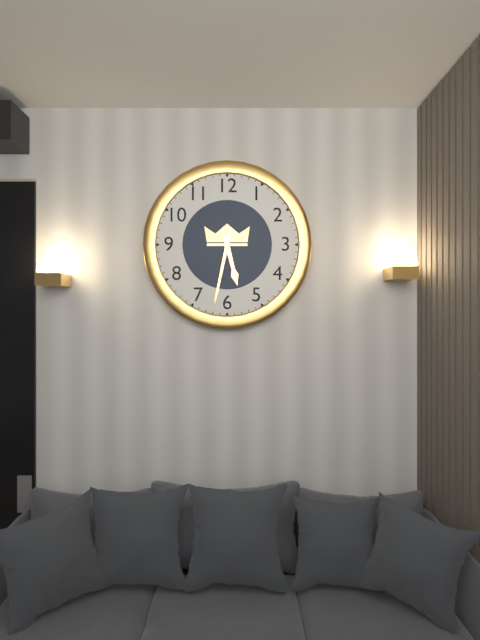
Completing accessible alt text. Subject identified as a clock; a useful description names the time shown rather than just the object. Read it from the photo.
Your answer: 5:32
